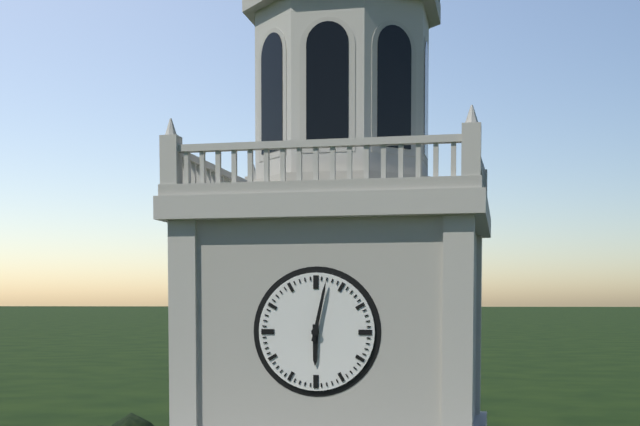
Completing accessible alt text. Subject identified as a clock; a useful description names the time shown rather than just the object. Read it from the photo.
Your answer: 6:02
